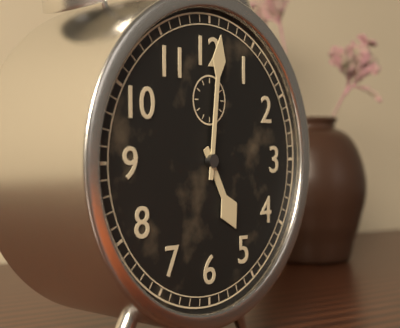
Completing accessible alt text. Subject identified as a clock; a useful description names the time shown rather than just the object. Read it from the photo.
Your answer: 5:01
